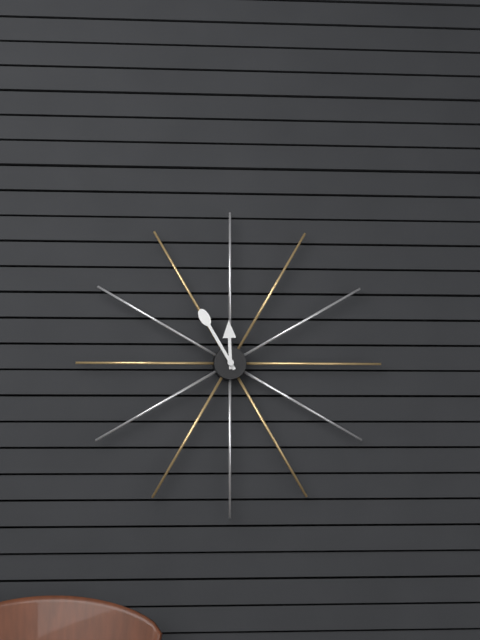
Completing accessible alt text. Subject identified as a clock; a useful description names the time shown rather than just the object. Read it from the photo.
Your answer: 11:55
